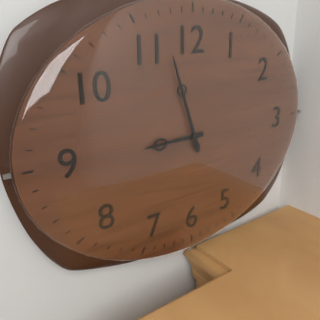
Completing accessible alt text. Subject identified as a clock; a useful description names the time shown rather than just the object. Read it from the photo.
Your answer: 8:57
